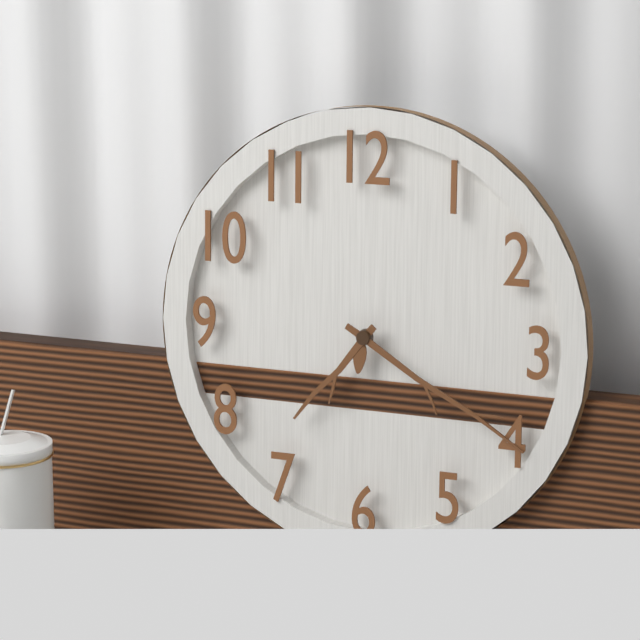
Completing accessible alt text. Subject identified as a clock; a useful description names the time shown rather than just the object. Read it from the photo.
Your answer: 7:20
